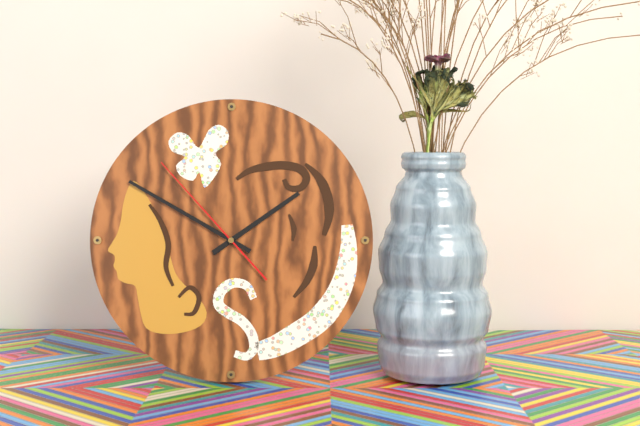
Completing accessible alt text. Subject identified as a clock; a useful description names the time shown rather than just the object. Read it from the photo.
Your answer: 1:50:53
